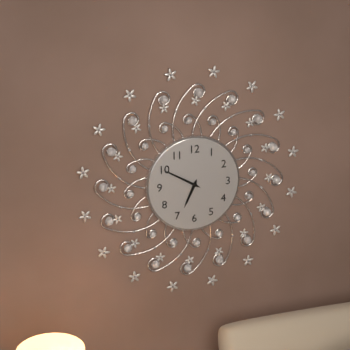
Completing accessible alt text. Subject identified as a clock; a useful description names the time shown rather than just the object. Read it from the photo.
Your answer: 6:50
